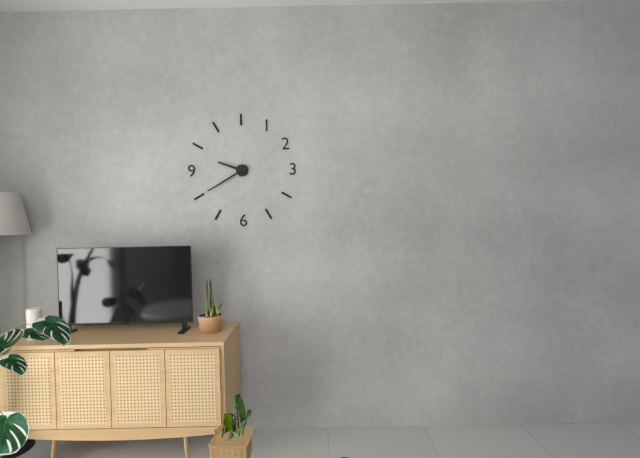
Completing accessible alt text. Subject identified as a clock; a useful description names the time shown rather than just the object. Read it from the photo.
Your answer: 9:40
